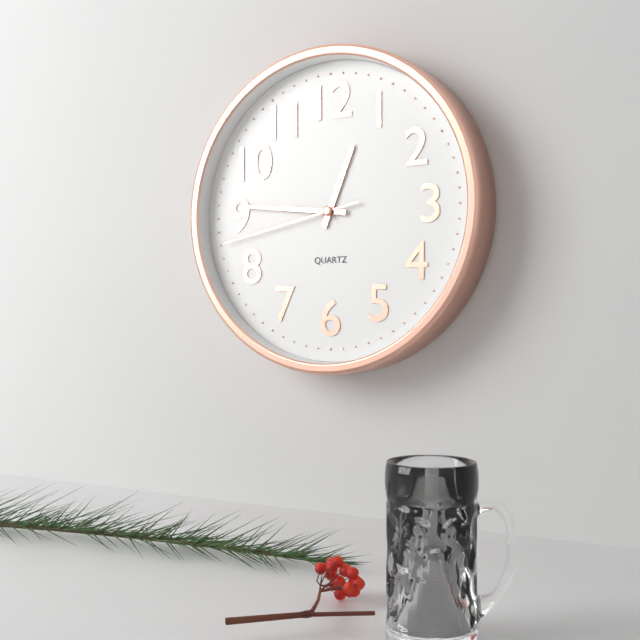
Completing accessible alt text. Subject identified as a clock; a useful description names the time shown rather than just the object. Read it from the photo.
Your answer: 12:46:43
